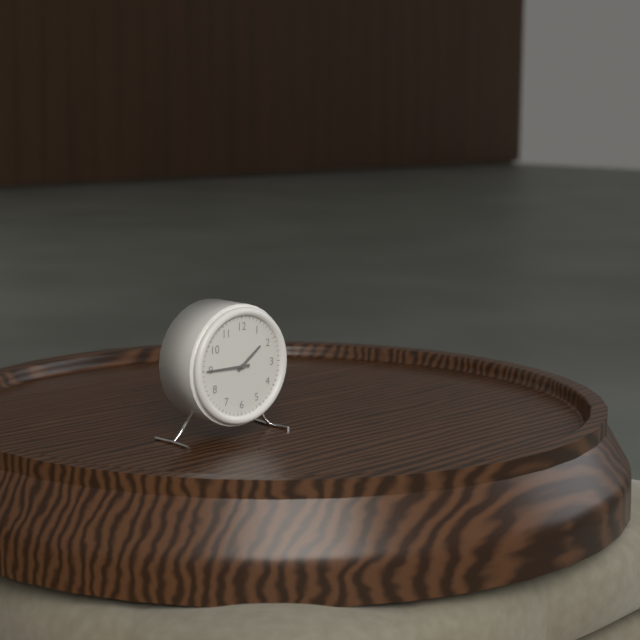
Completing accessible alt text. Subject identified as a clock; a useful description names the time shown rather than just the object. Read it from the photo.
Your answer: 1:45
